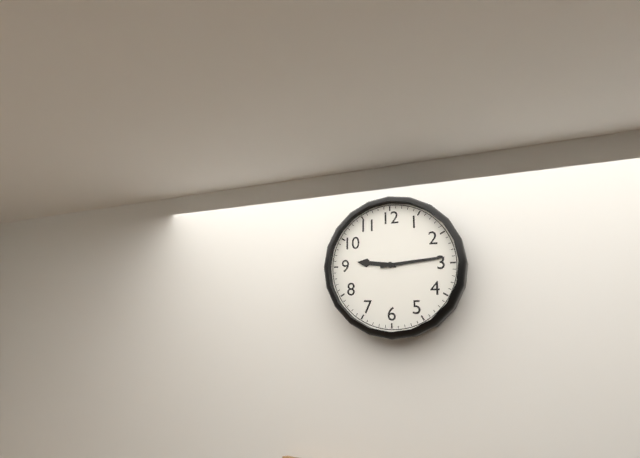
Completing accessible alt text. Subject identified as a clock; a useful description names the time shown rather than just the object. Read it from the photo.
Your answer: 9:14
